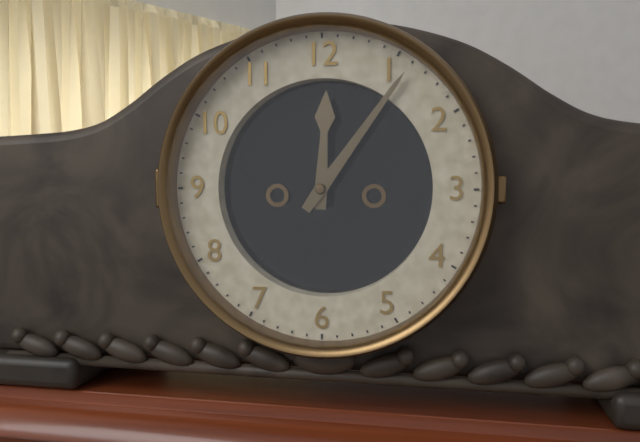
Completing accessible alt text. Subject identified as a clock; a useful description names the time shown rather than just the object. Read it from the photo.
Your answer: 12:06
